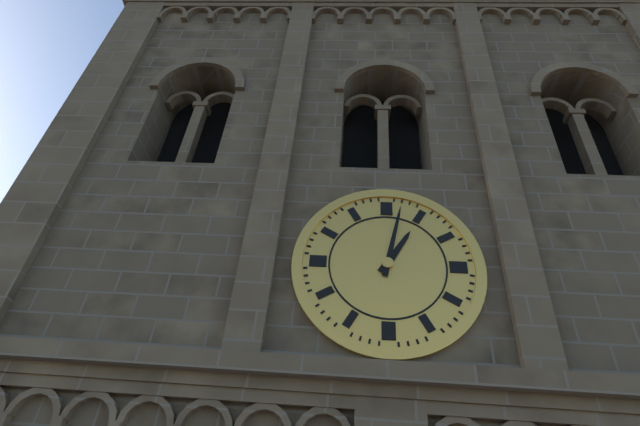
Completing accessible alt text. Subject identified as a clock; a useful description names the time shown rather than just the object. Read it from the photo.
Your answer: 1:02
